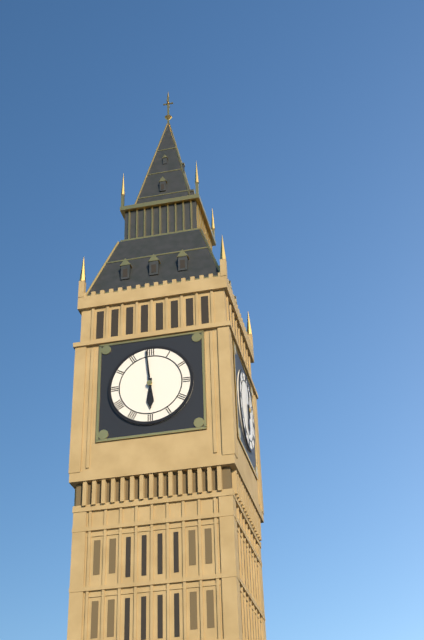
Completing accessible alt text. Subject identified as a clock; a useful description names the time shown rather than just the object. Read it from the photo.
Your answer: 5:59
